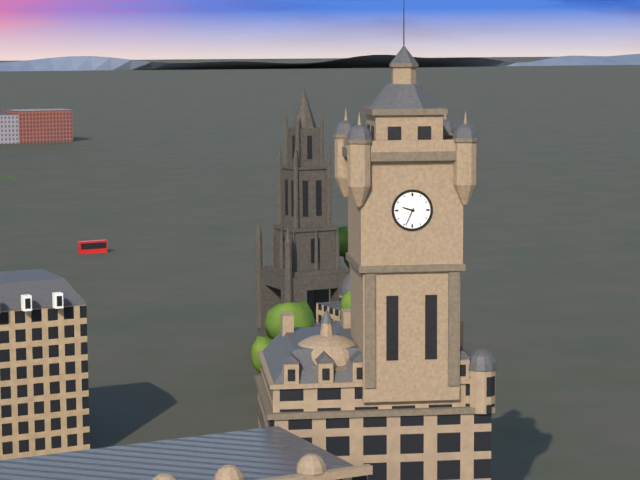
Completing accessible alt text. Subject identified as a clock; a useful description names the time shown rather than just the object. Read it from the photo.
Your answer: 9:34
